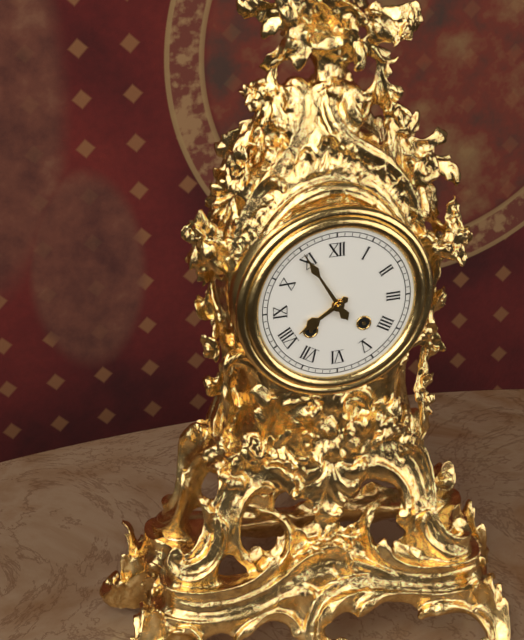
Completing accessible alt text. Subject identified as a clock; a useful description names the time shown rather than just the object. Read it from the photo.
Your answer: 7:55
